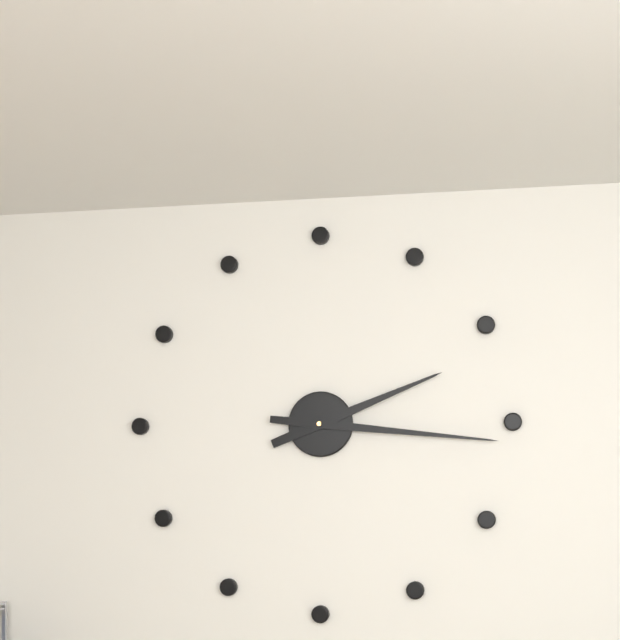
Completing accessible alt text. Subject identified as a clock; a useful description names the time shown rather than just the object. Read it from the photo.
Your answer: 2:16
